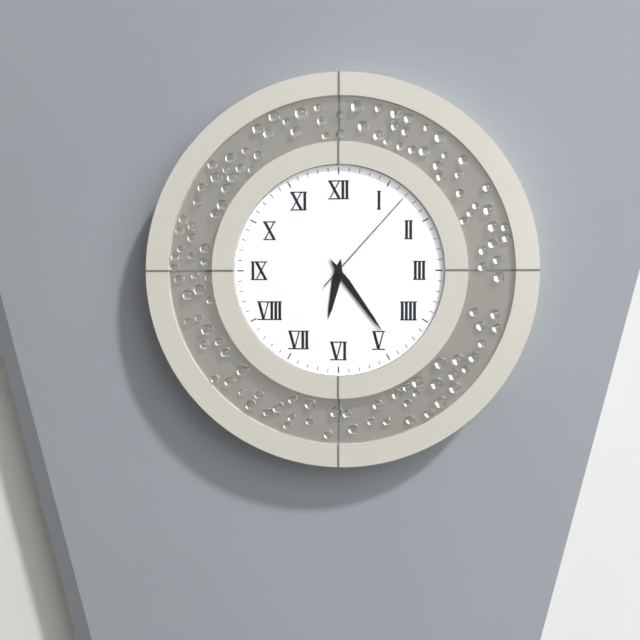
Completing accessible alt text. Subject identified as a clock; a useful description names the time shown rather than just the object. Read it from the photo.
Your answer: 6:24:07
